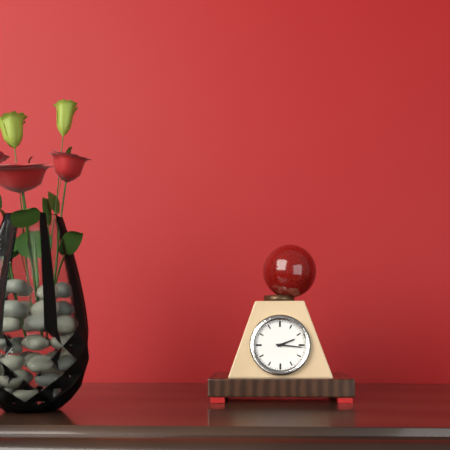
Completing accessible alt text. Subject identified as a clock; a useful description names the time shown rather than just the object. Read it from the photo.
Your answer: 2:16
